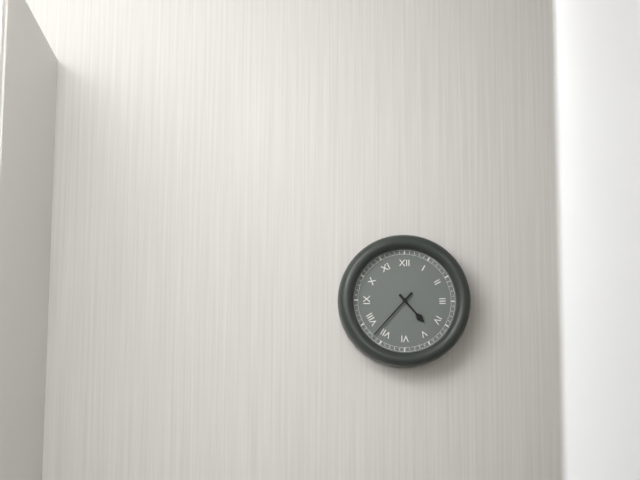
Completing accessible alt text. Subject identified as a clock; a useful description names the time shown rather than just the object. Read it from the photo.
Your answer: 4:37
